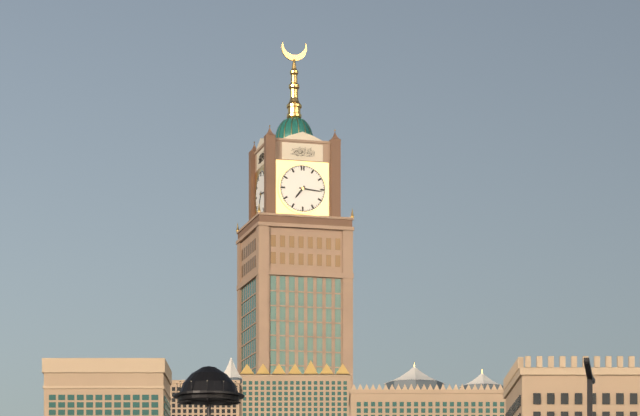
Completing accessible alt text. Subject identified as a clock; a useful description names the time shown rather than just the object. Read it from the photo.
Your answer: 7:16
